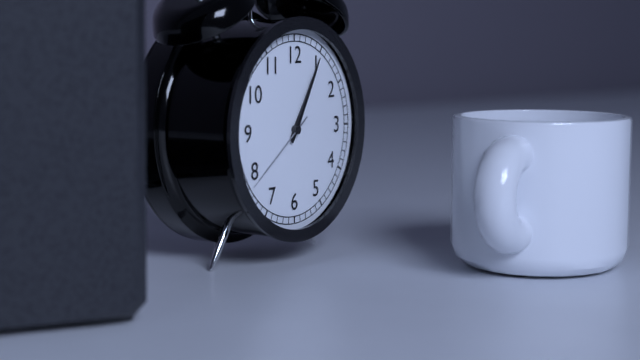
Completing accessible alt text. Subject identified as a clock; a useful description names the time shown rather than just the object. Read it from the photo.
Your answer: 1:05:39
